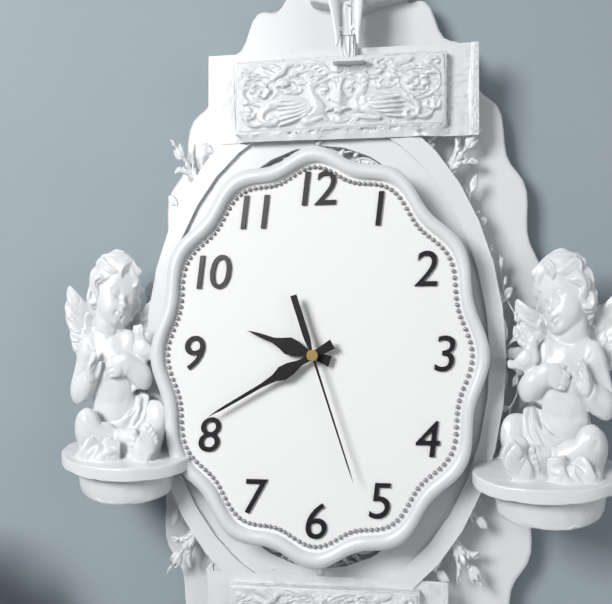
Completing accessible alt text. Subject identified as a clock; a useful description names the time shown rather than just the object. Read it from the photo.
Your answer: 9:40:27
